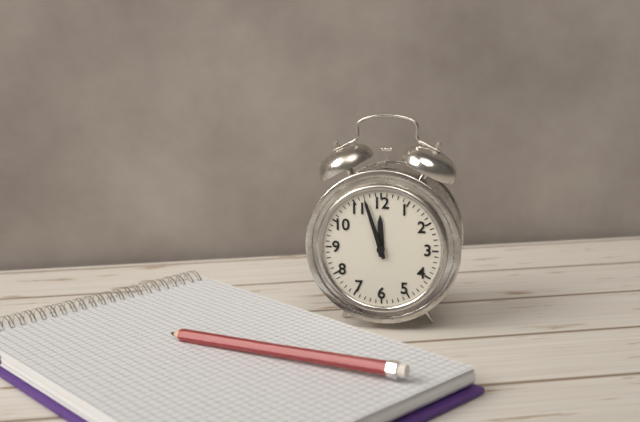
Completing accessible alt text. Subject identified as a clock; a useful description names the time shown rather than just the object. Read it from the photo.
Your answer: 11:57
